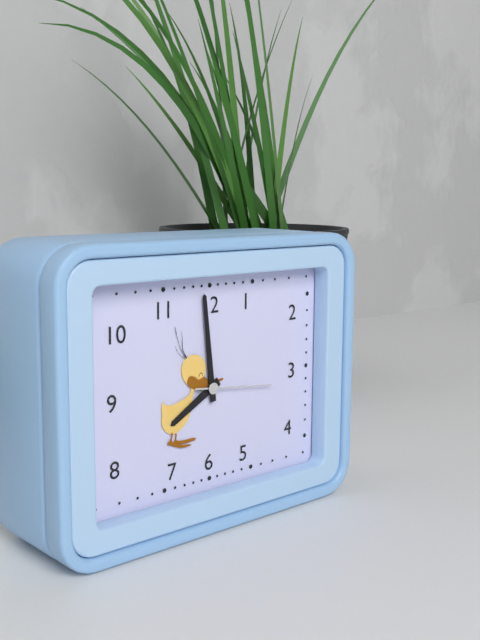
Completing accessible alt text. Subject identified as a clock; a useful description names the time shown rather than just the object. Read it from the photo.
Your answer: 7:59:16
